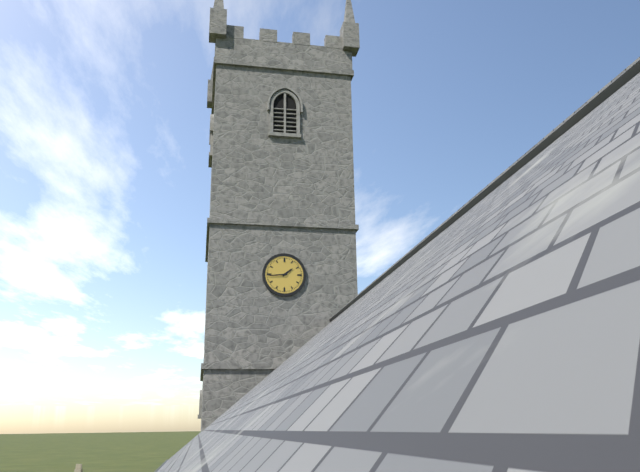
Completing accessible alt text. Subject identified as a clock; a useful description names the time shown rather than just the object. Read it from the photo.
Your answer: 1:44
